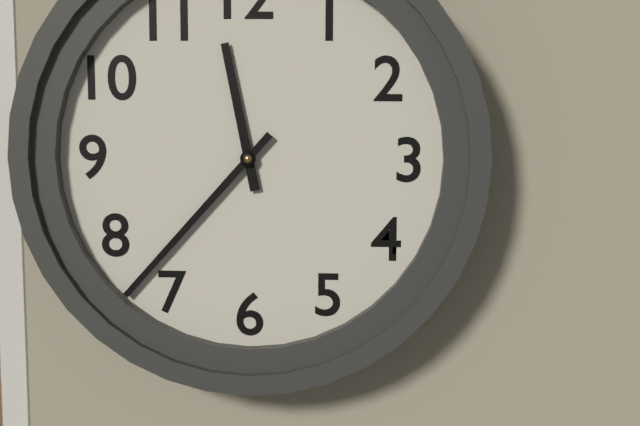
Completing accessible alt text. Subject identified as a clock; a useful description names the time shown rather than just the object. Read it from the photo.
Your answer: 11:37
